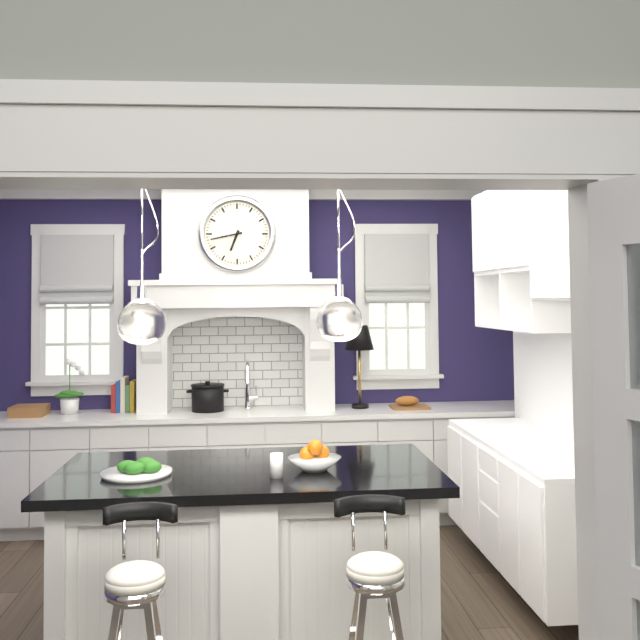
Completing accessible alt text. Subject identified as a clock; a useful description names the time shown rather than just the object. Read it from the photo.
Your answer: 6:43
